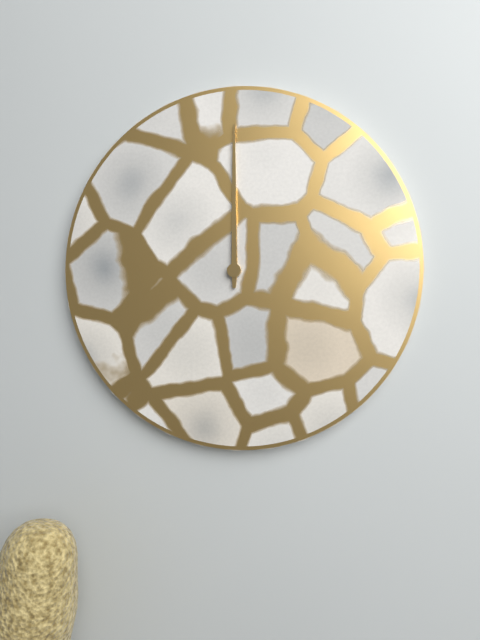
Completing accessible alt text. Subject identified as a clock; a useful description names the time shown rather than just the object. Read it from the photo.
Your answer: 12:00
